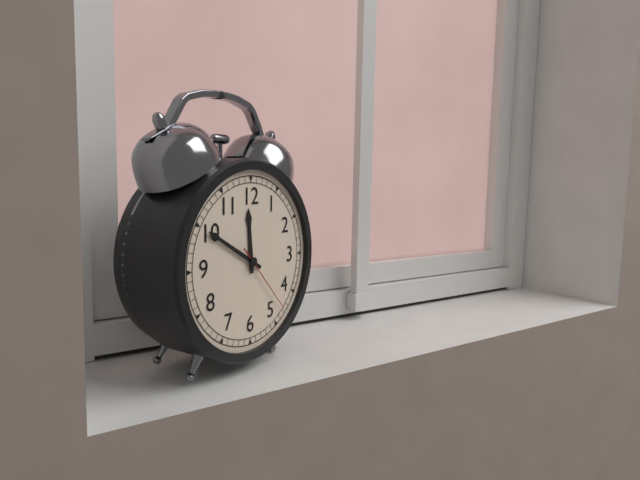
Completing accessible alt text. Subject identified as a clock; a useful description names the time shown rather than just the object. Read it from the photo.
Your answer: 11:50:23
